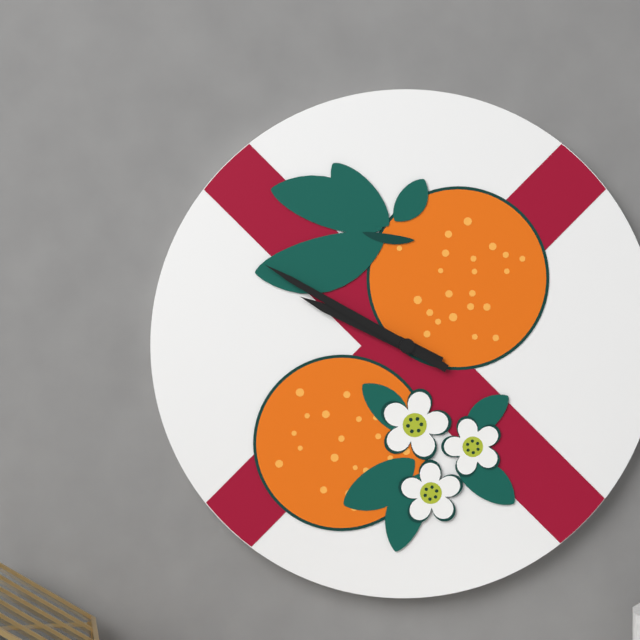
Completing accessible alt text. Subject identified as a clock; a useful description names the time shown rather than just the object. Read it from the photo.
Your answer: 9:50
